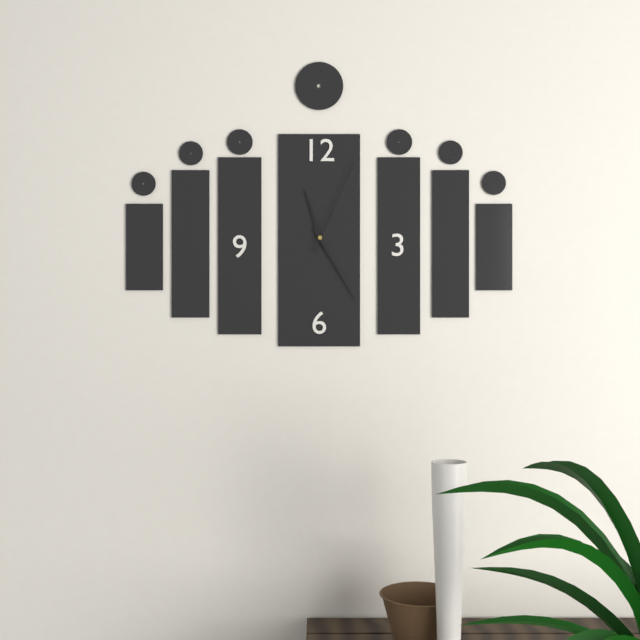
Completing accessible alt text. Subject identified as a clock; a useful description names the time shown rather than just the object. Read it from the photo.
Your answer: 11:25:04
